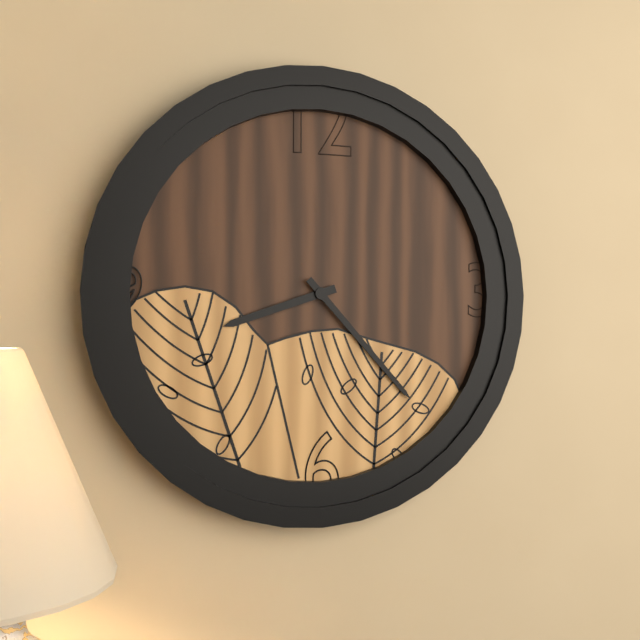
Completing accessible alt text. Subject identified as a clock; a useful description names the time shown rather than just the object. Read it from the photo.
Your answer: 8:23
